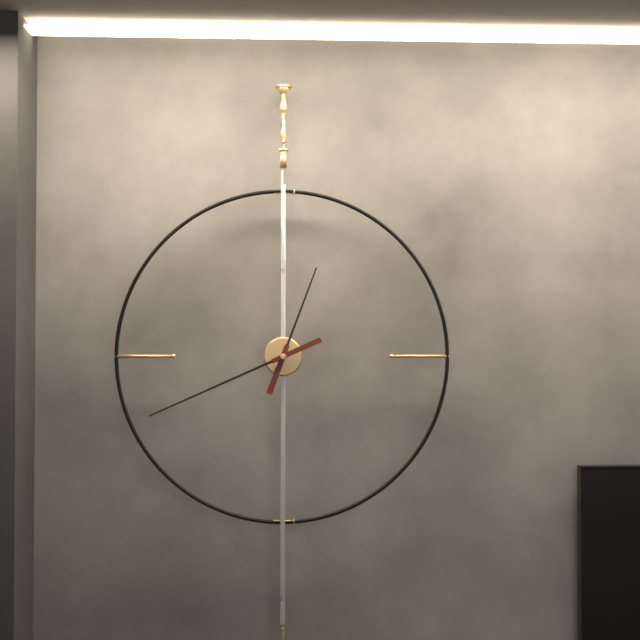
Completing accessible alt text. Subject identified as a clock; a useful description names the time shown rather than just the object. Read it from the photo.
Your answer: 12:41
